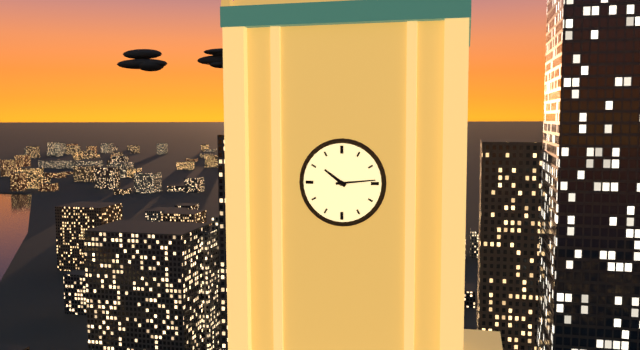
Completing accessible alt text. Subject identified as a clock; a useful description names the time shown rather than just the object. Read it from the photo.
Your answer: 10:14
